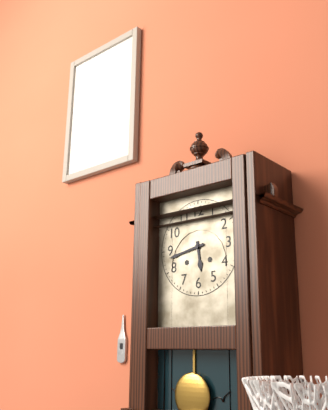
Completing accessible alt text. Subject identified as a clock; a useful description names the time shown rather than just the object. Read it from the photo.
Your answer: 5:43
